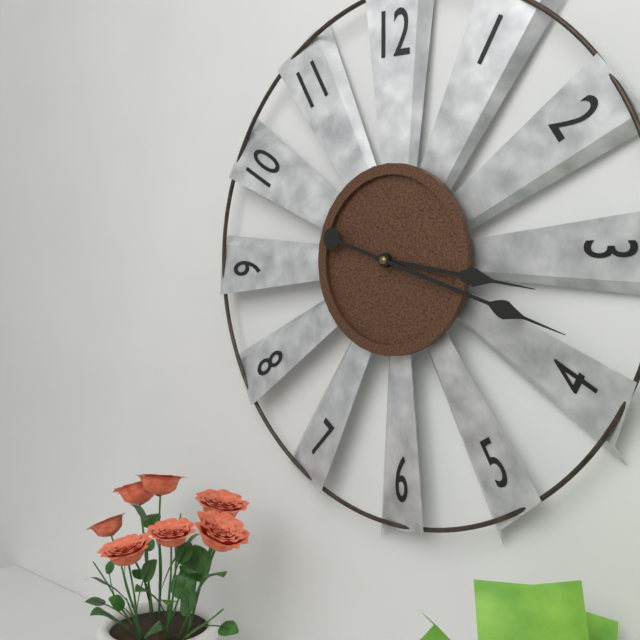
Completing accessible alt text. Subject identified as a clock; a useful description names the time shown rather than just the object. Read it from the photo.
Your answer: 3:18
